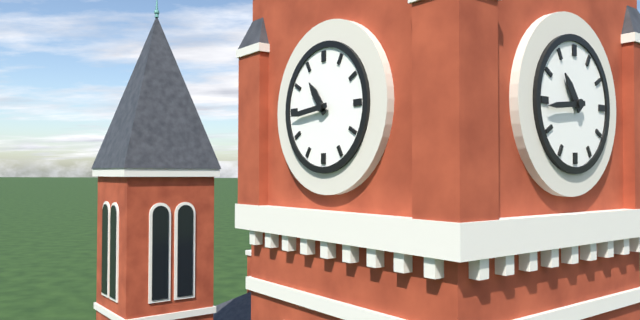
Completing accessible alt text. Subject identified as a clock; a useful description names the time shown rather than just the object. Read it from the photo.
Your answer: 10:44
